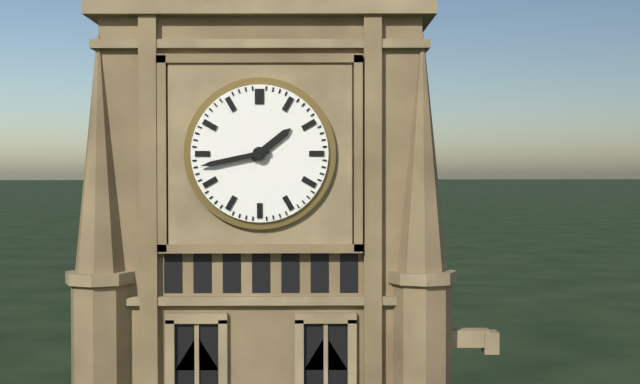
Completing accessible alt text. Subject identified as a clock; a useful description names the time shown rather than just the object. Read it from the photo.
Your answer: 1:43
